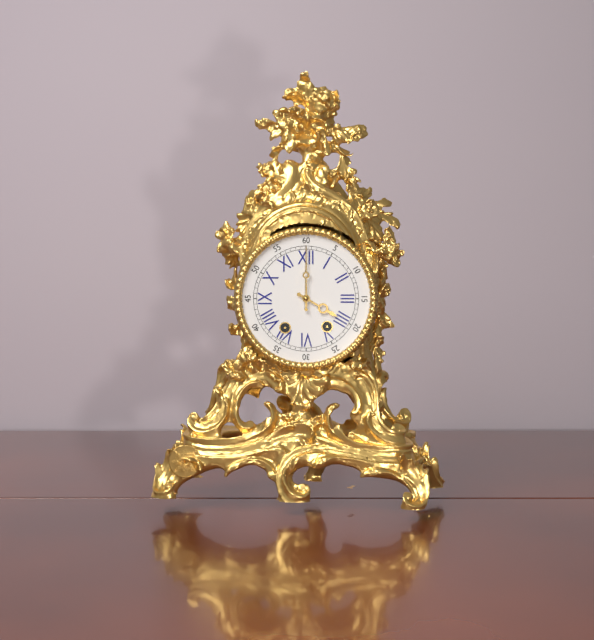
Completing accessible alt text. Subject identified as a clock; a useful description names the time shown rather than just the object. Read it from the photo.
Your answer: 4:00
